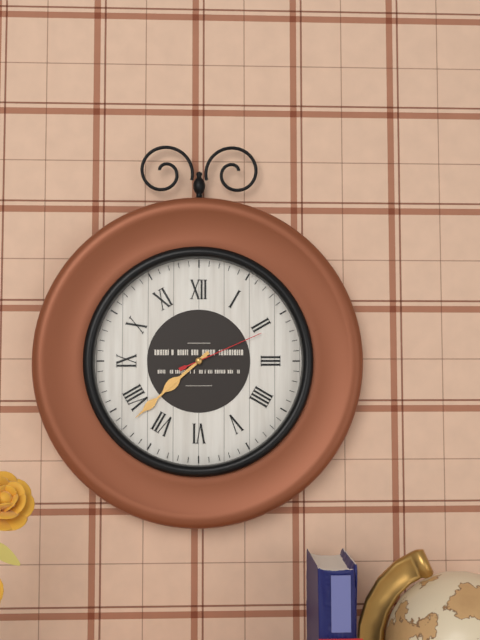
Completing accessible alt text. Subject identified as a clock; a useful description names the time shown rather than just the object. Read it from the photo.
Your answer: 7:38:11
